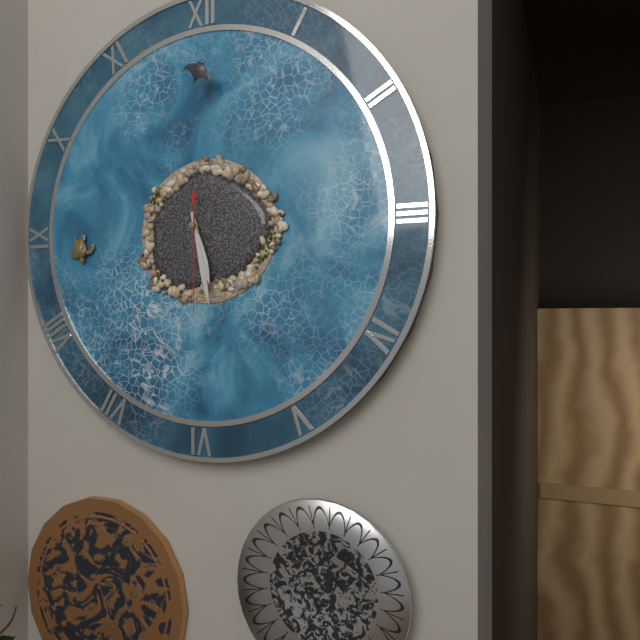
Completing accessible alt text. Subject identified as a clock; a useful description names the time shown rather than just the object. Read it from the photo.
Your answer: 5:28:30
